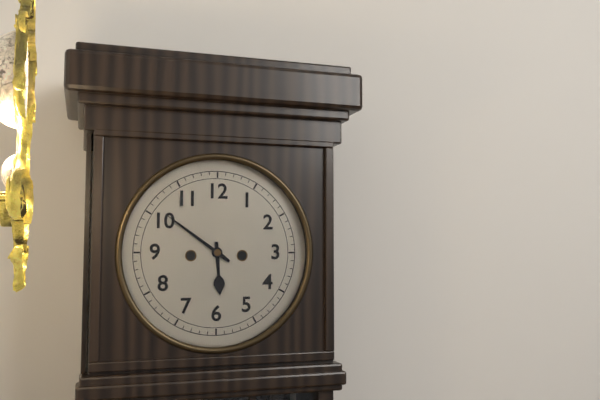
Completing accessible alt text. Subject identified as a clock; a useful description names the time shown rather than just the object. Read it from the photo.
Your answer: 5:51
